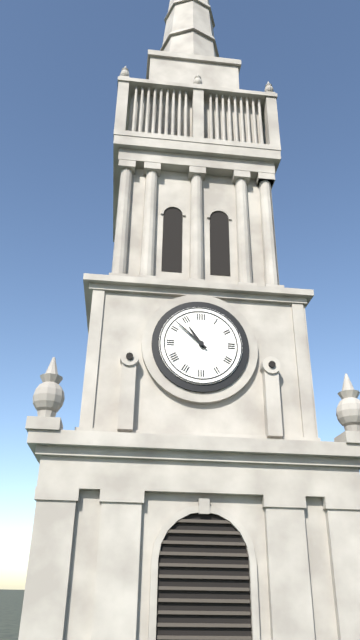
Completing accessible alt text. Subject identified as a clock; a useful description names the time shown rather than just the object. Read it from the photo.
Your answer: 10:52
